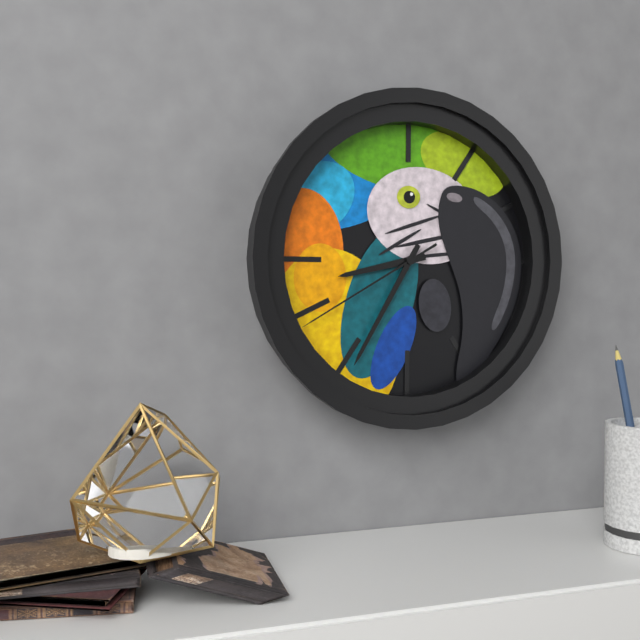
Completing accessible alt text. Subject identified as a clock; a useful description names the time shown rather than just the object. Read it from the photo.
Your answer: 8:35:40
